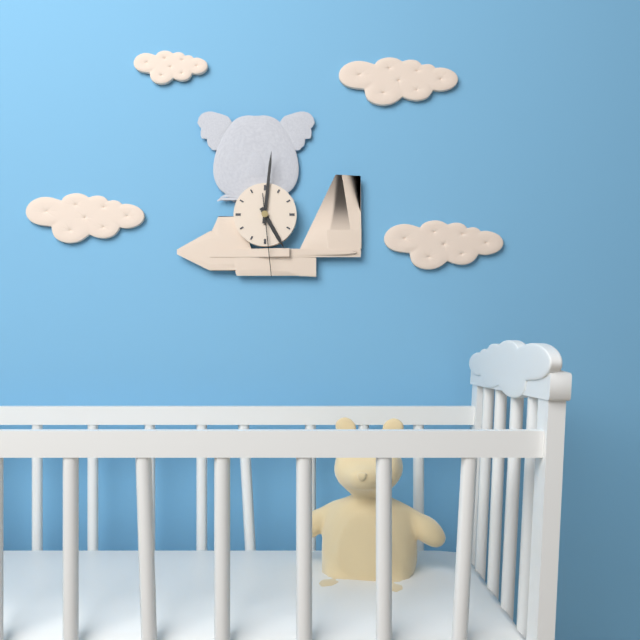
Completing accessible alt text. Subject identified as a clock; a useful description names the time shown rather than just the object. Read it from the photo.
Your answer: 5:01:29
